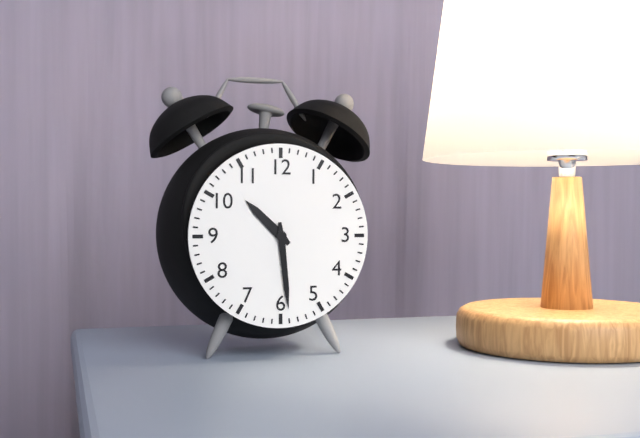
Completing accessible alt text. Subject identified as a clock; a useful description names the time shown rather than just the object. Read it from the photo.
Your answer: 10:29
